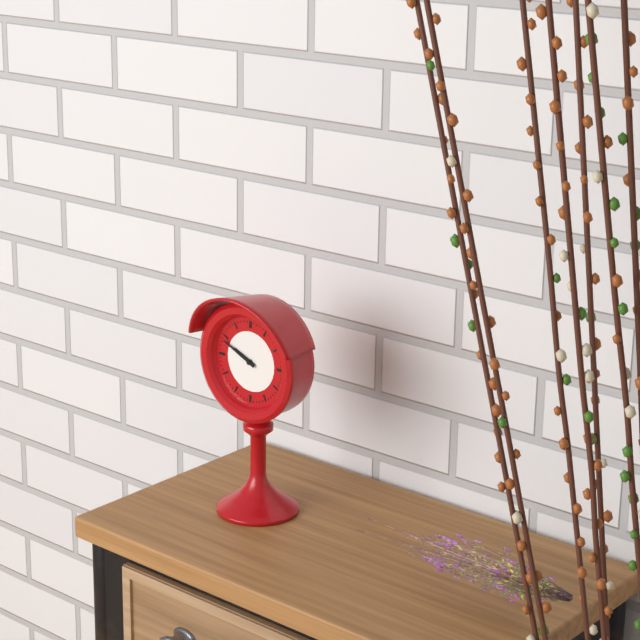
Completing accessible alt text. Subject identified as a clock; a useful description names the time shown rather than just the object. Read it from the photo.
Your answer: 9:49
